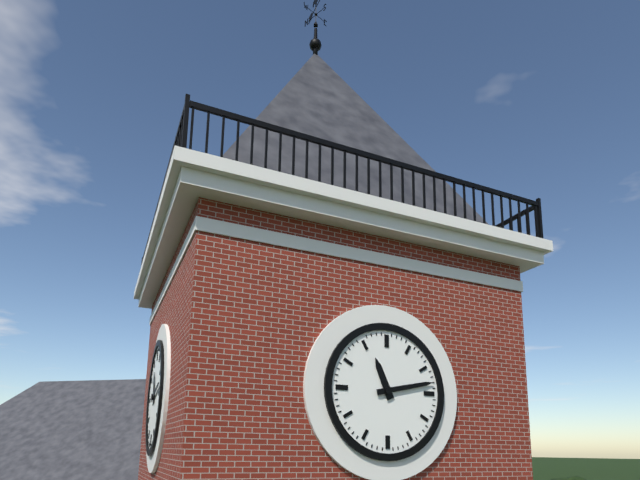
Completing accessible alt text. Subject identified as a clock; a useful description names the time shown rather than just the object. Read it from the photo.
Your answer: 11:13
